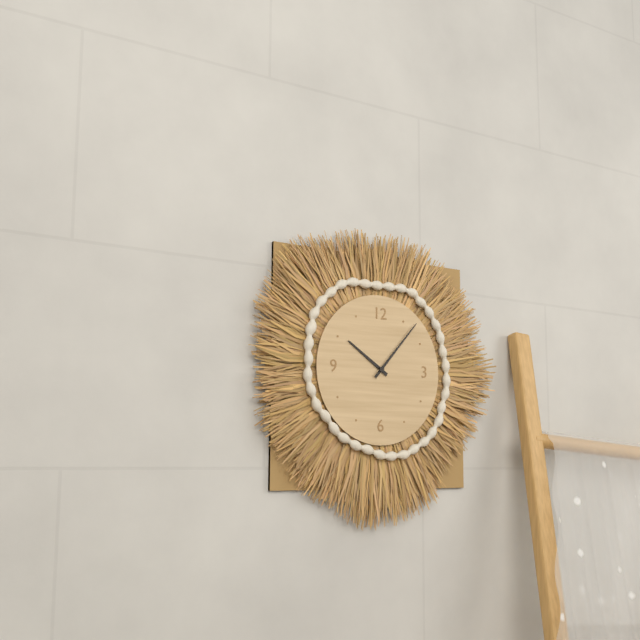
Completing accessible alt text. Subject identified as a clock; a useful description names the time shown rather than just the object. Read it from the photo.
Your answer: 10:07
